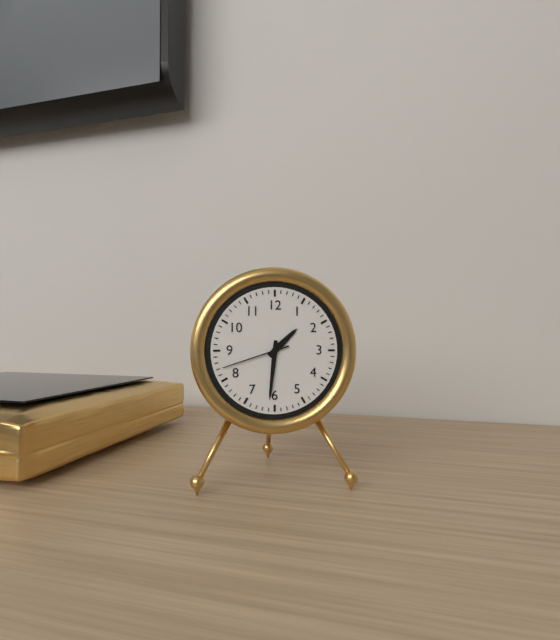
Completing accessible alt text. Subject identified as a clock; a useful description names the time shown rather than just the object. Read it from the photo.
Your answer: 1:31:42
